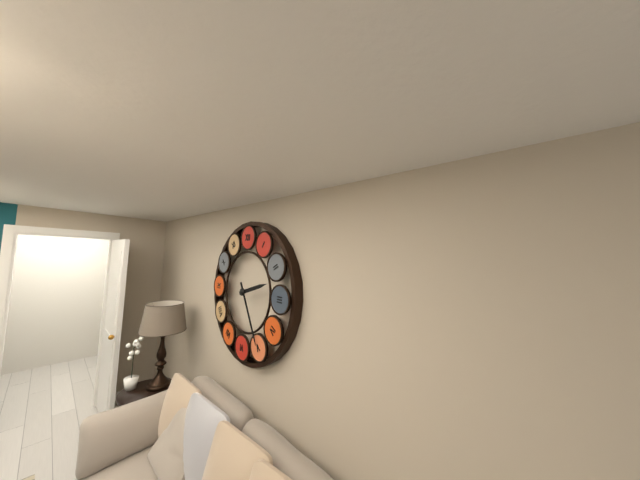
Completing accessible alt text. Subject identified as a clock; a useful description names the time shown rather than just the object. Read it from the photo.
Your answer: 2:25
